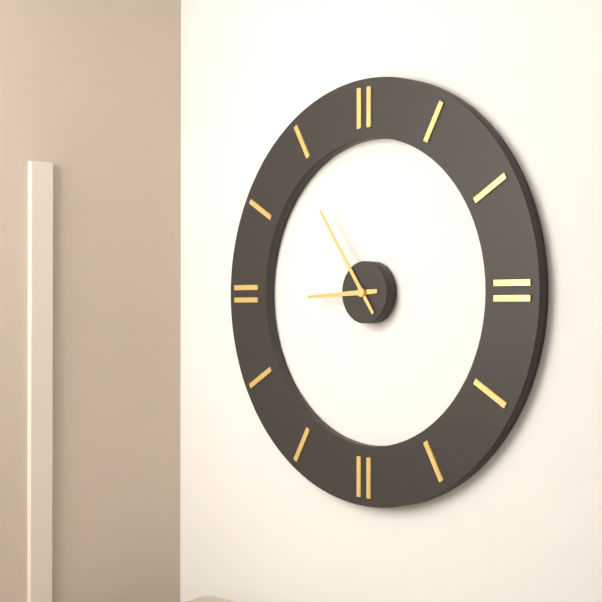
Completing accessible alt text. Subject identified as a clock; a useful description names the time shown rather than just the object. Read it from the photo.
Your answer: 8:54
